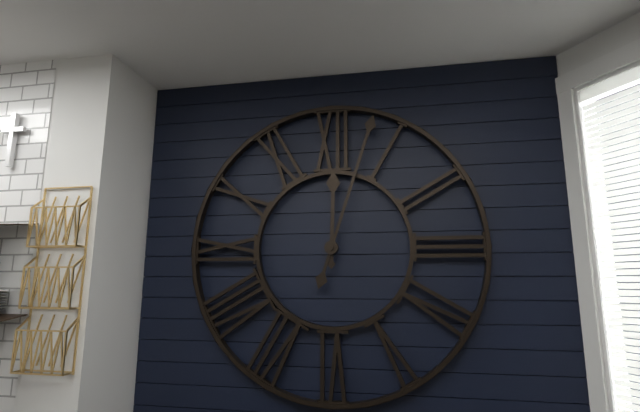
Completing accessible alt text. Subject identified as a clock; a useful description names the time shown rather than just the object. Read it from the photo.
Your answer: 12:03
